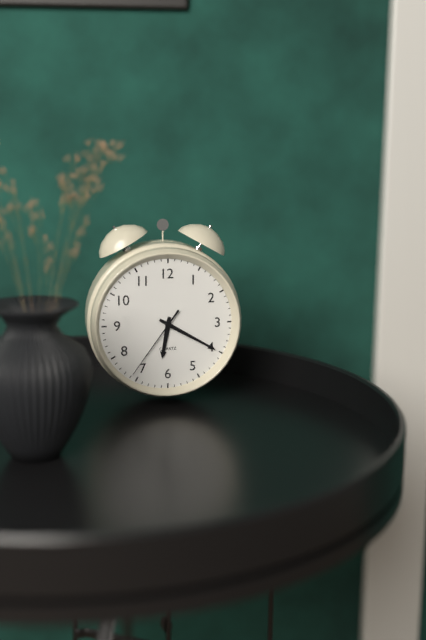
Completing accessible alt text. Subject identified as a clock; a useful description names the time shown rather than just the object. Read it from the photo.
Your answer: 6:20:36
